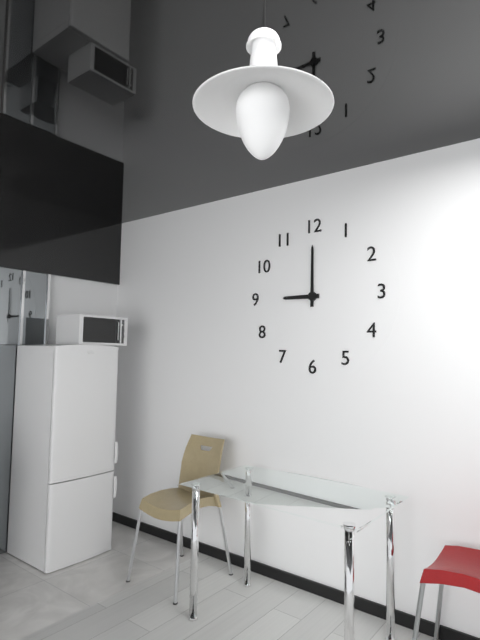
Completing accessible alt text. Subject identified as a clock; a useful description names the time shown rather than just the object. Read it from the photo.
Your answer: 9:00
